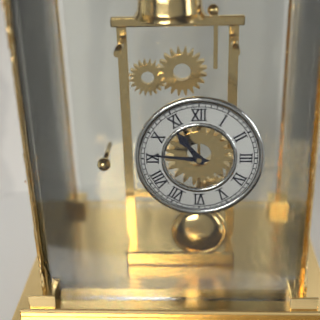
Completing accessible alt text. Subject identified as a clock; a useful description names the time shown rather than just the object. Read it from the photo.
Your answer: 10:46
